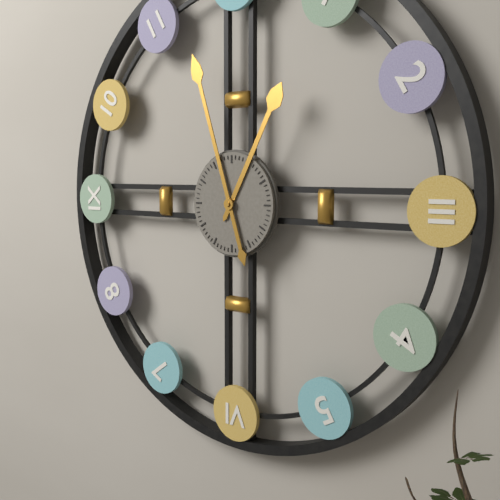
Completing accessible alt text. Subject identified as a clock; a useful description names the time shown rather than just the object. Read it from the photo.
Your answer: 12:57
